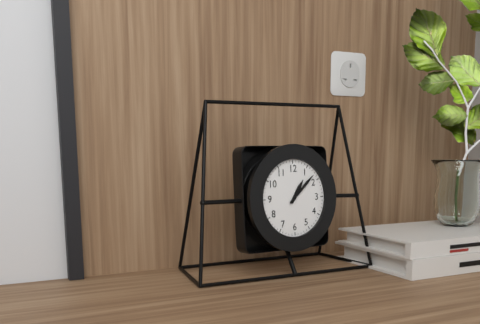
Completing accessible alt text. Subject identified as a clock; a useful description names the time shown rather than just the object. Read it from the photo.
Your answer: 1:08
